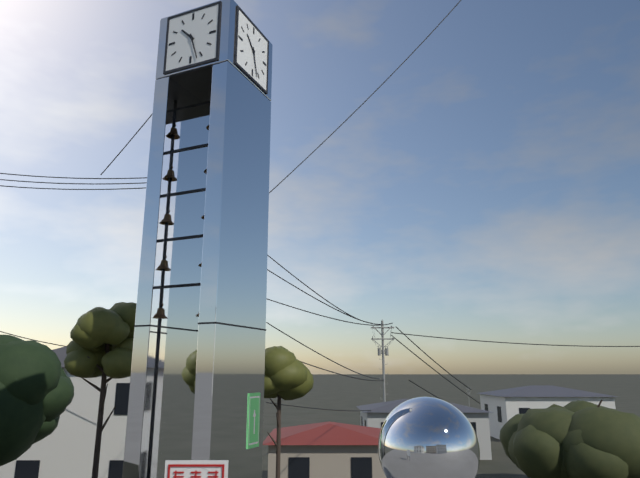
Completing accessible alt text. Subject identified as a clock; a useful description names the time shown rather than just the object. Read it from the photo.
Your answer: 10:27
